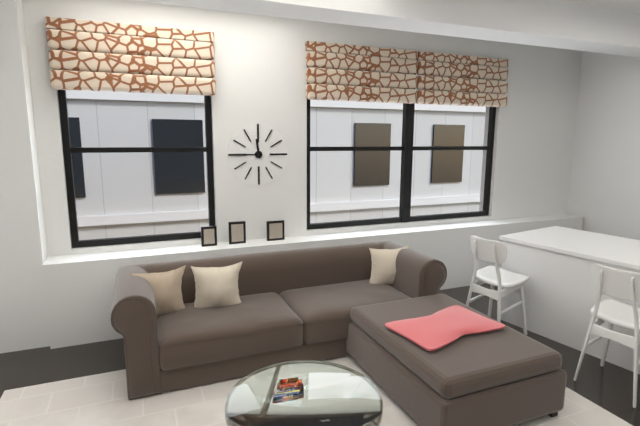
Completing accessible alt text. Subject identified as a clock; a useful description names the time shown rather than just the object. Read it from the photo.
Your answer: 11:45
